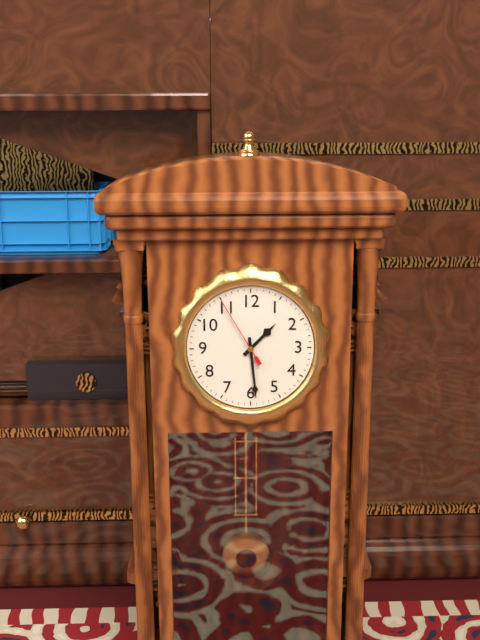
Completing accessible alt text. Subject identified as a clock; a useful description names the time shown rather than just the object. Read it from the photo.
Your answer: 1:29:55
